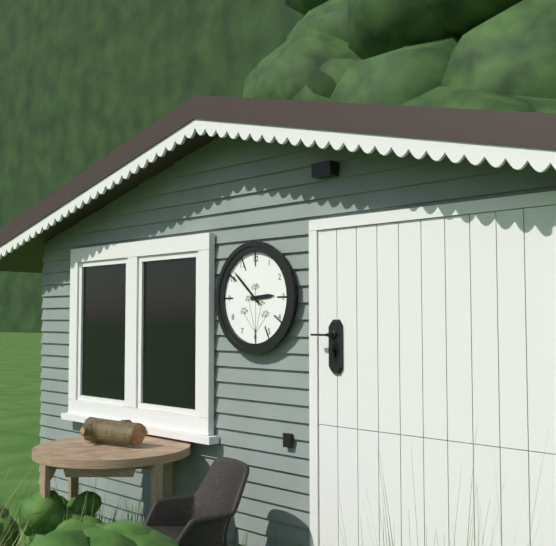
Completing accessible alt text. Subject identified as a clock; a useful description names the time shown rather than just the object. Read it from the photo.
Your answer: 2:52
